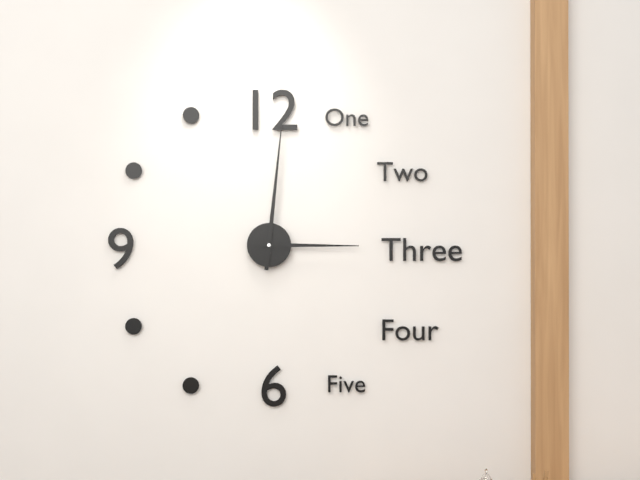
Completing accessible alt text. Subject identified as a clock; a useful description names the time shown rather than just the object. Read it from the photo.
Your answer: 3:01
